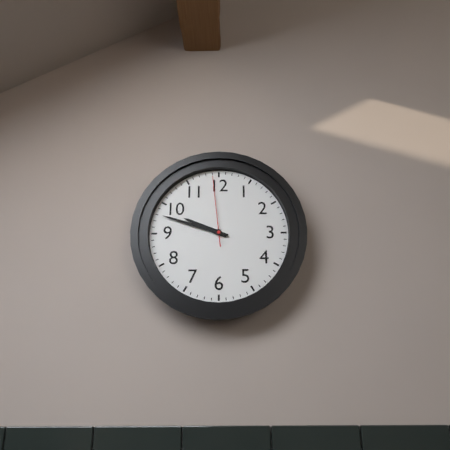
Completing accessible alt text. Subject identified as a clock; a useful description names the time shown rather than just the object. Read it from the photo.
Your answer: 9:48:59
